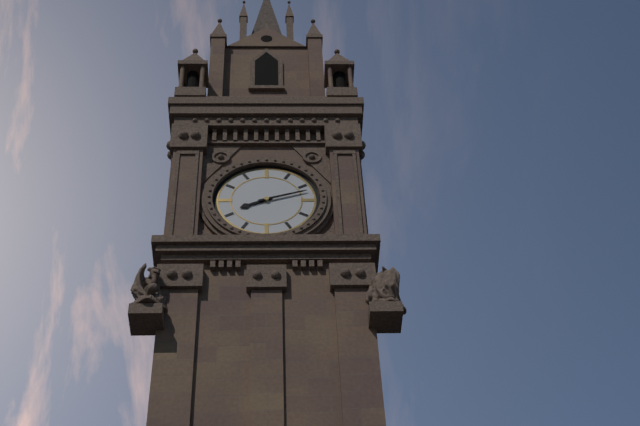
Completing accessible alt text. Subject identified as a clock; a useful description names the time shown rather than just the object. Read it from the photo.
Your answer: 8:12
